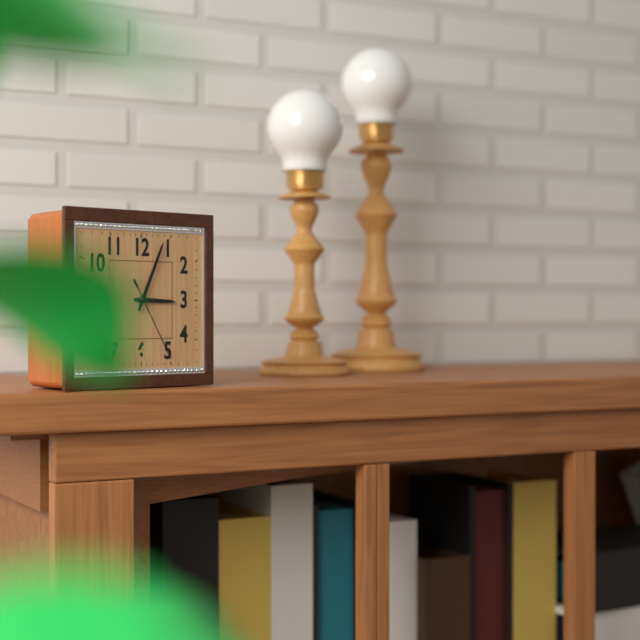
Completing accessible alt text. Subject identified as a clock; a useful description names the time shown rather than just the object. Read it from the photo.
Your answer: 3:04:25
